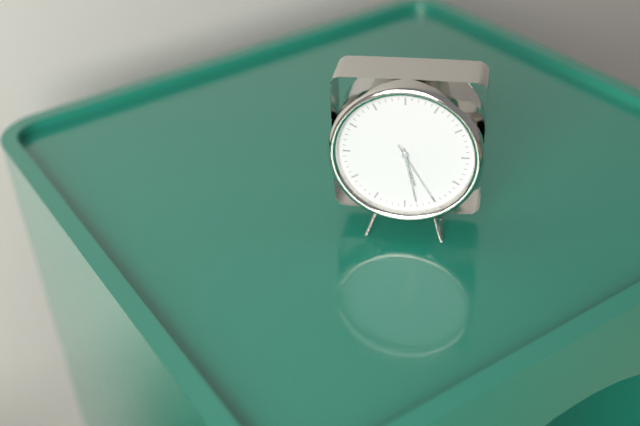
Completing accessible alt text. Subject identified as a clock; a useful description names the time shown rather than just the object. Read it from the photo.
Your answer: 5:28:25
